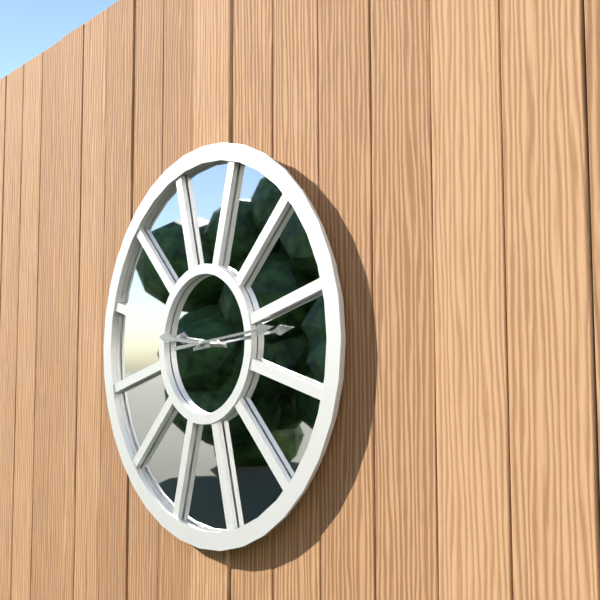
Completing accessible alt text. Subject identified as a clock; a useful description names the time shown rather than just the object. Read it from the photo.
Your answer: 9:14
